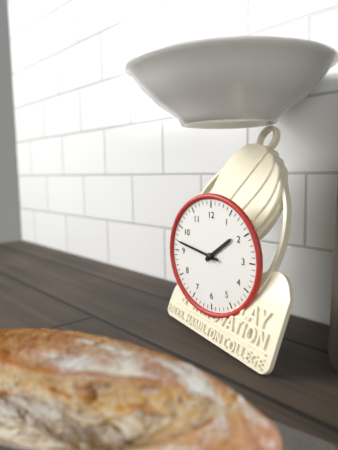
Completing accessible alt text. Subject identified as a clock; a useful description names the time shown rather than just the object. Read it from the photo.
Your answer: 1:47
